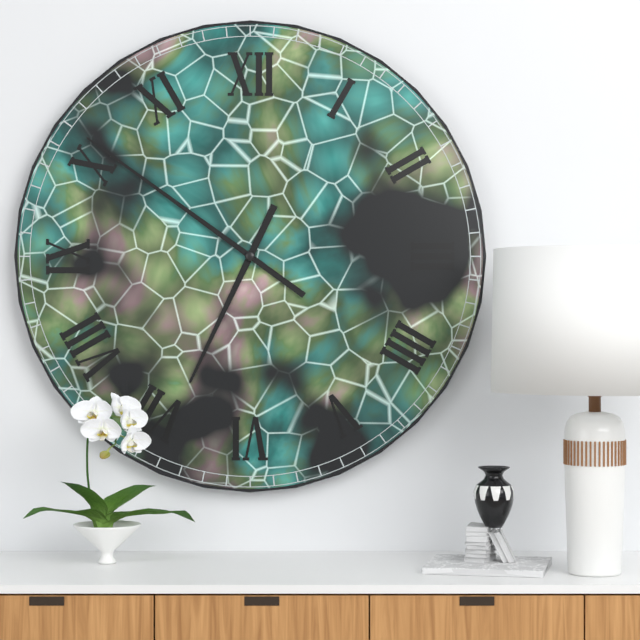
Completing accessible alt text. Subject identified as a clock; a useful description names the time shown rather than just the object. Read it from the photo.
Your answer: 6:51
